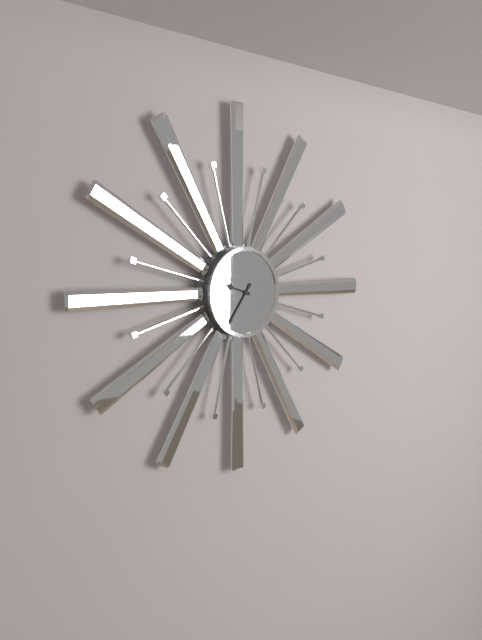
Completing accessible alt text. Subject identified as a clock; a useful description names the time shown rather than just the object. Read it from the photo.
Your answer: 9:36
